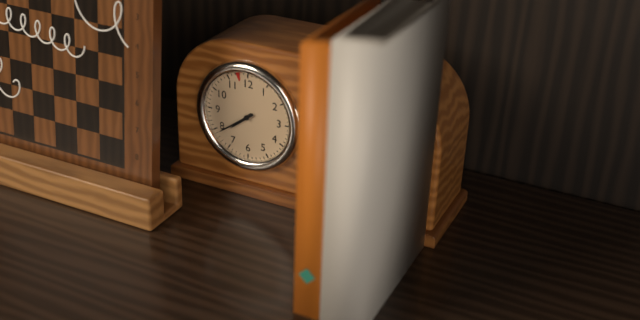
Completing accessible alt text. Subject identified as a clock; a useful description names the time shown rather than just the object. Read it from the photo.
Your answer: 7:39
